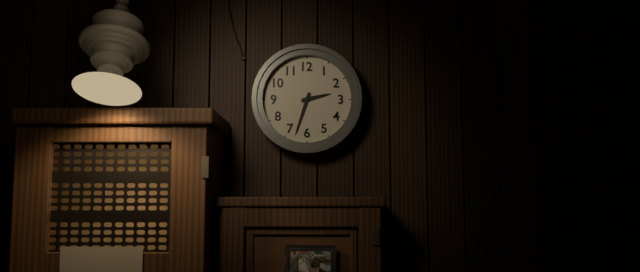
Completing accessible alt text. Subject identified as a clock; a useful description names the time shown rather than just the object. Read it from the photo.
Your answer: 2:33
